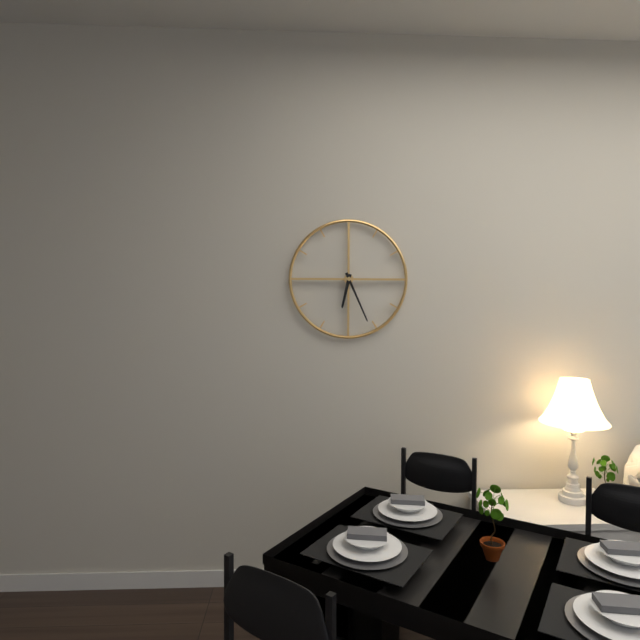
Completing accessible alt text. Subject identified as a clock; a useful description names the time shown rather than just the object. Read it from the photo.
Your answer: 6:26
